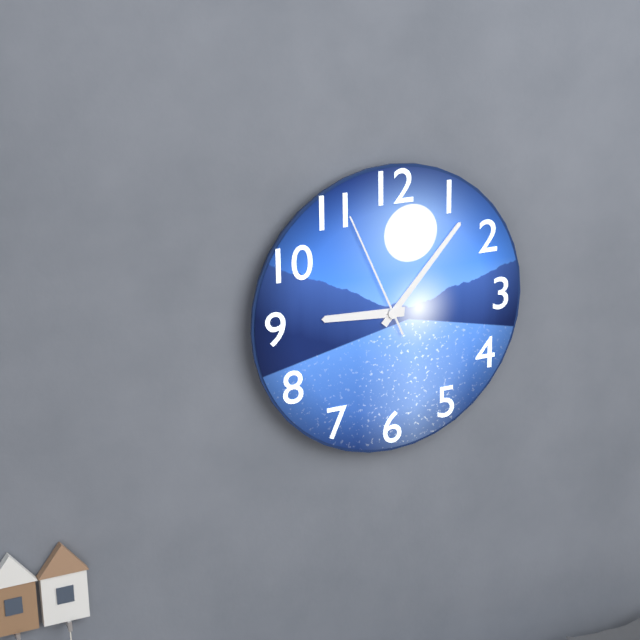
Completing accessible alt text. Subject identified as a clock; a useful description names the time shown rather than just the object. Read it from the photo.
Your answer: 9:07:56
